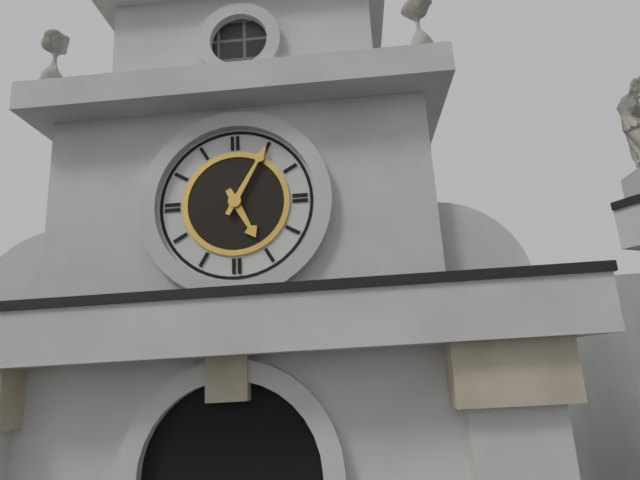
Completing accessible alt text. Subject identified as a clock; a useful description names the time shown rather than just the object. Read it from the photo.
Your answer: 5:05
